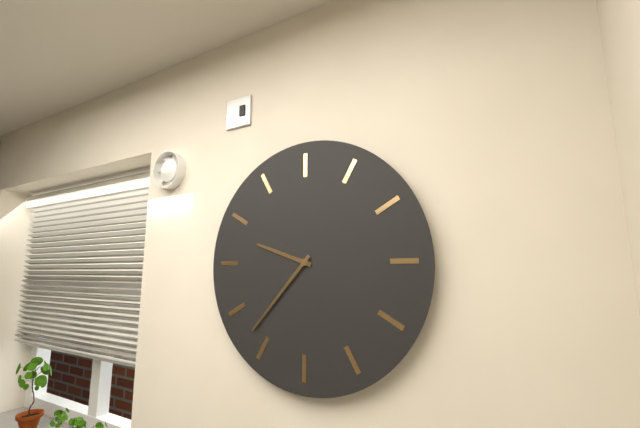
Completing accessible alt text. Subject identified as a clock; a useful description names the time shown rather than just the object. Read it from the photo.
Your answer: 9:37
